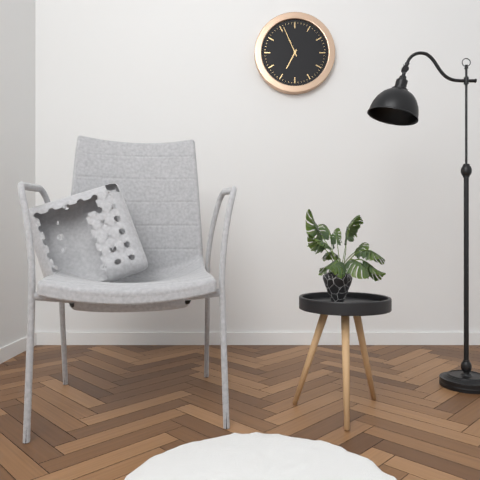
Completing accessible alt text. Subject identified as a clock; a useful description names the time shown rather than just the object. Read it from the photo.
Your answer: 6:56
